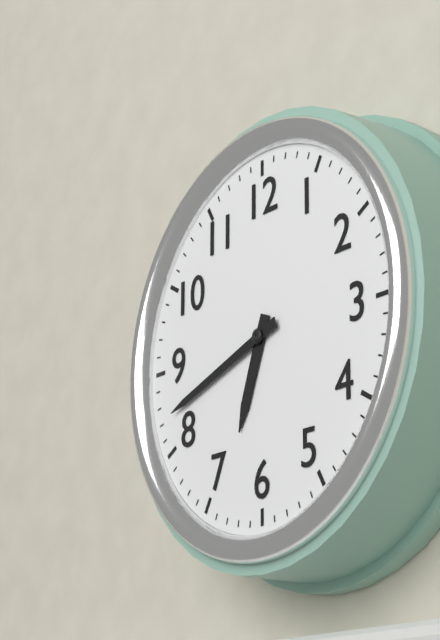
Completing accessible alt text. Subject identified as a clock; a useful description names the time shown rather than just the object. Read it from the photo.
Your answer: 6:42
